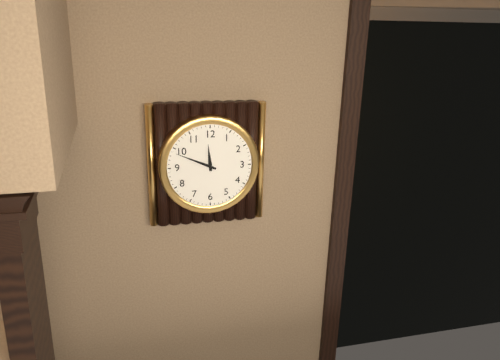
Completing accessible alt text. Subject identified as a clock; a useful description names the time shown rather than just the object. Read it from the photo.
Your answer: 11:49
